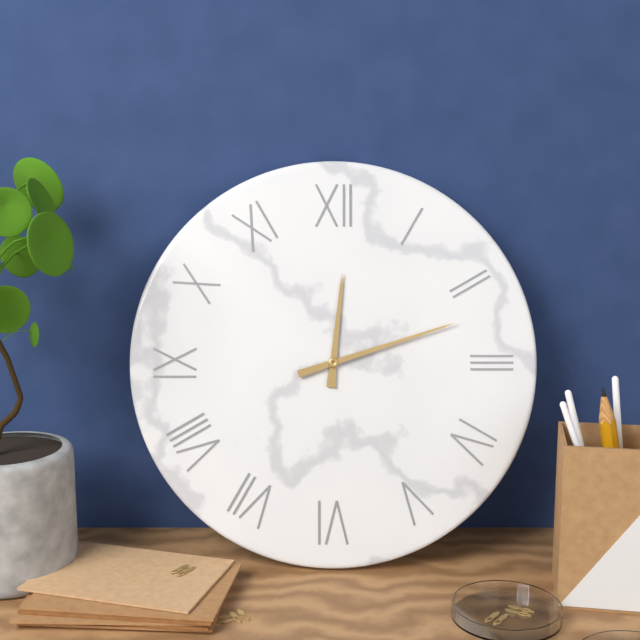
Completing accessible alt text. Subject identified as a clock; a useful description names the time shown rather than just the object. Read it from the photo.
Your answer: 12:12
